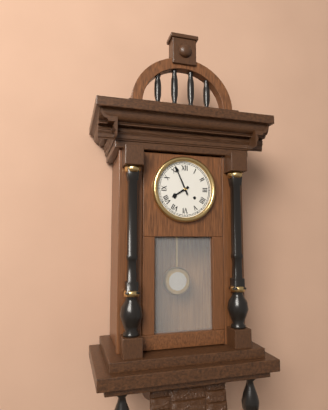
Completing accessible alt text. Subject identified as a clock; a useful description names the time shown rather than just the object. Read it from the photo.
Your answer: 7:56
